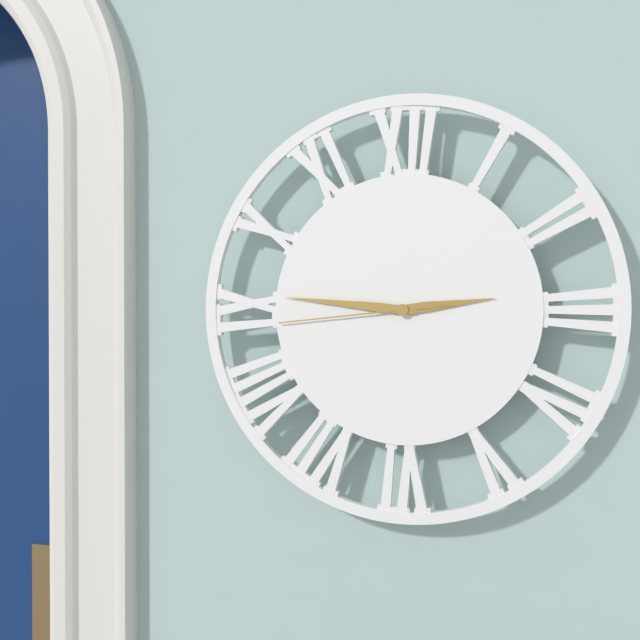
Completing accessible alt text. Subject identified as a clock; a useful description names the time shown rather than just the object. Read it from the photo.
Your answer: 2:46:44
